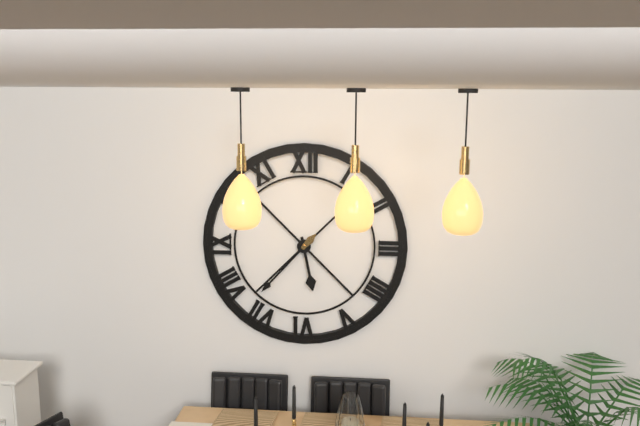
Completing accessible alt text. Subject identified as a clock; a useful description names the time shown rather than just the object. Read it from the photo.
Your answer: 5:37
